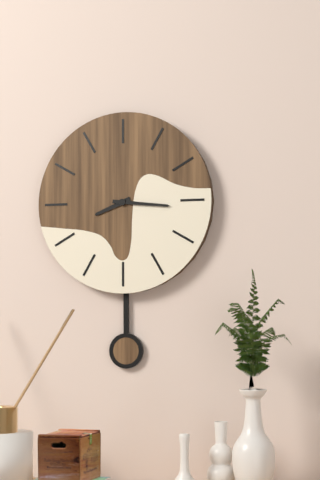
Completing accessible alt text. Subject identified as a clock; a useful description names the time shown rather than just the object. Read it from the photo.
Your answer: 8:16
